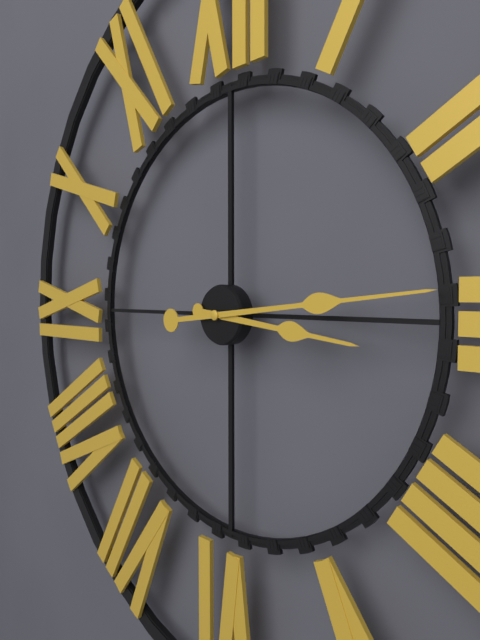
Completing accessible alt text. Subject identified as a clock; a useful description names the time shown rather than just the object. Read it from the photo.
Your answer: 3:14
